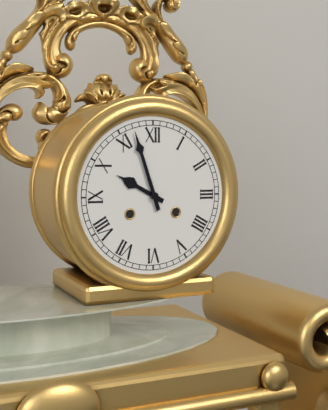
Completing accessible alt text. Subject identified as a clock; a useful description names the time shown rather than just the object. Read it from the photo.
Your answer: 9:57
